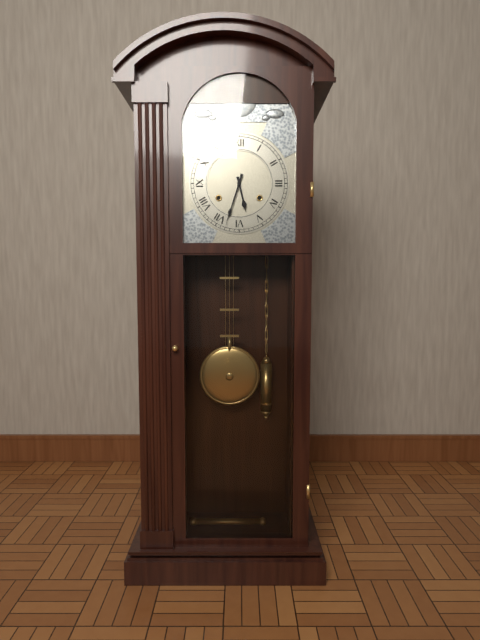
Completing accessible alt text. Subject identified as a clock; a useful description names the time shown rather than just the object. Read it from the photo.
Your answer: 5:33
